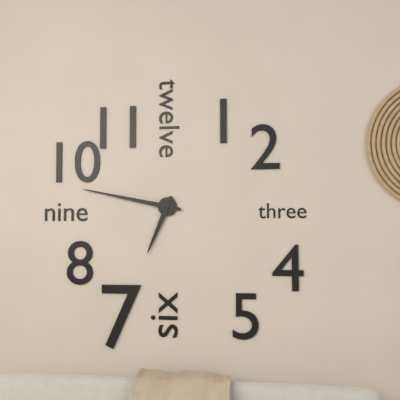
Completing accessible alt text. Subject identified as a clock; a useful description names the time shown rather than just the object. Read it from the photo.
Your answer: 6:47
